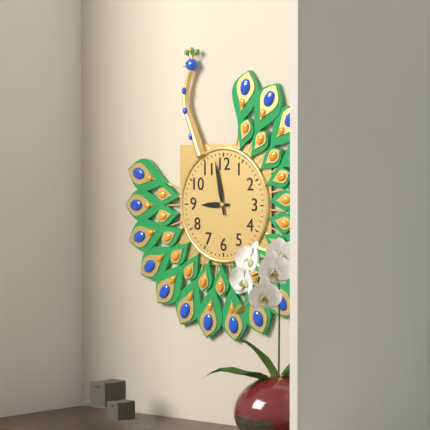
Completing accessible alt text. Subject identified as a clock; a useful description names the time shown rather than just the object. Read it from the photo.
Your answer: 8:58
